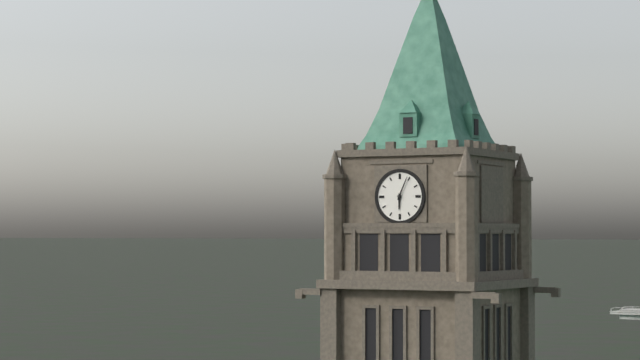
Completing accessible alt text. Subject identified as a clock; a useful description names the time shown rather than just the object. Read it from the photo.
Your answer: 6:04
